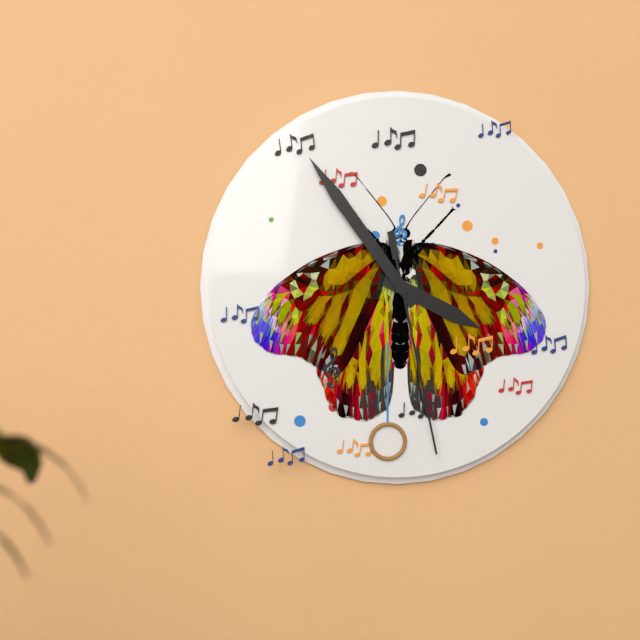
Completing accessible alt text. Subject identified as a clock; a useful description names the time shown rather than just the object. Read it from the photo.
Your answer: 3:54:28
